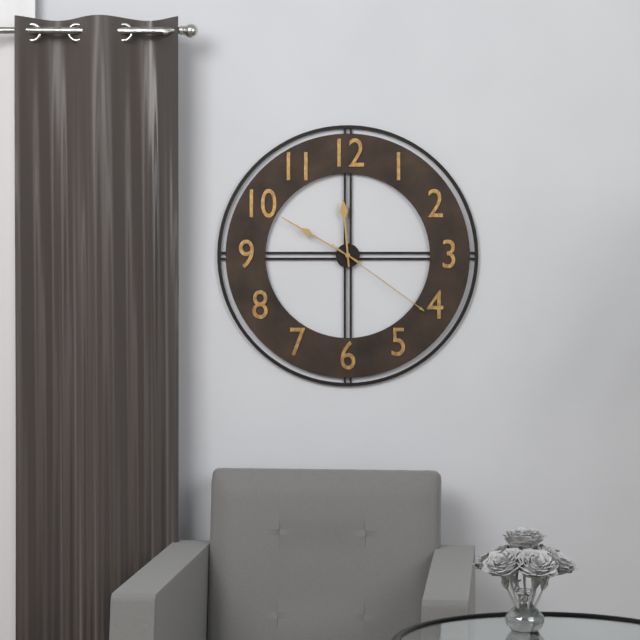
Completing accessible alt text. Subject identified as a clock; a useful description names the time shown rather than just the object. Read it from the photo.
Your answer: 11:50:21
